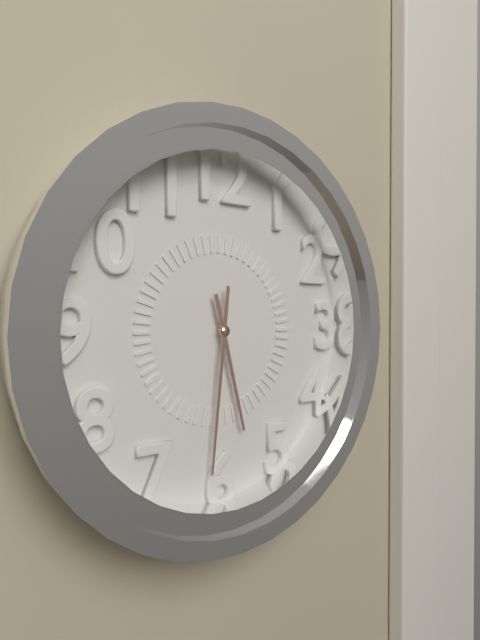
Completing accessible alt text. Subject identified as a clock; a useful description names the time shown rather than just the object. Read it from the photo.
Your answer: 5:31
